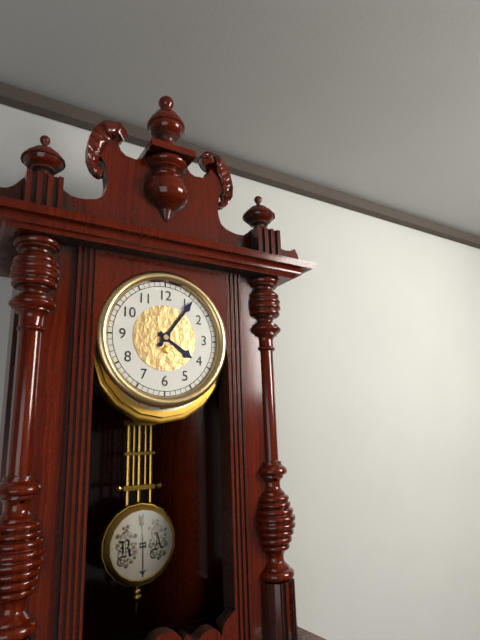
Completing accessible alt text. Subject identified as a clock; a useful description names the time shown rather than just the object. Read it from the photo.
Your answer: 4:06
